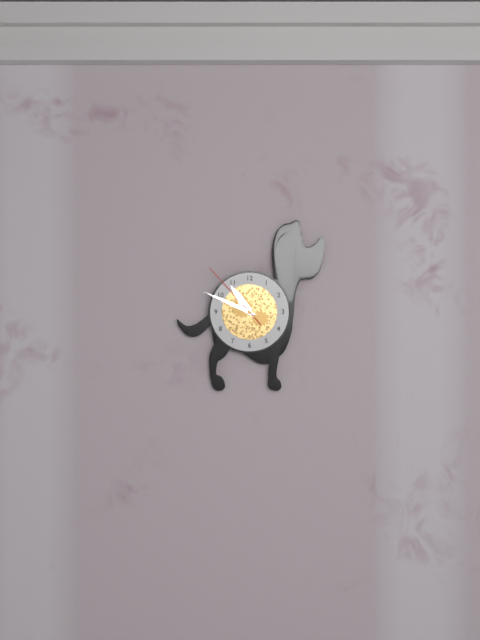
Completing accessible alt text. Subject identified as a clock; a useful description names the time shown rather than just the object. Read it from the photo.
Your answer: 10:49:53
